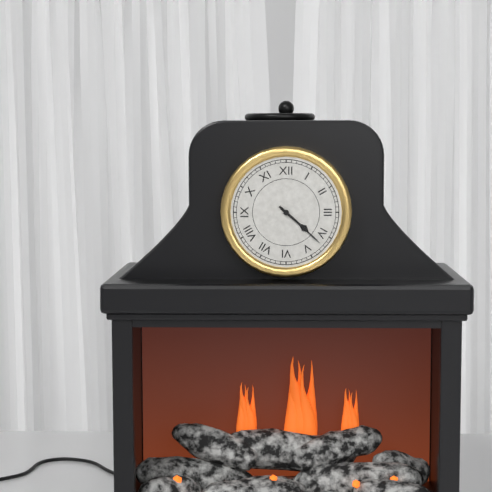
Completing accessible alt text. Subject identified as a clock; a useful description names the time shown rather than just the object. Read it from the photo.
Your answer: 4:22
